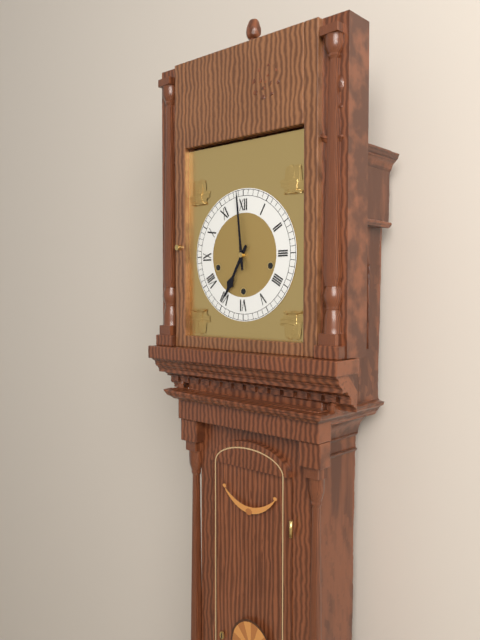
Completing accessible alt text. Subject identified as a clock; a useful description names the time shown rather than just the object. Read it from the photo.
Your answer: 6:59
